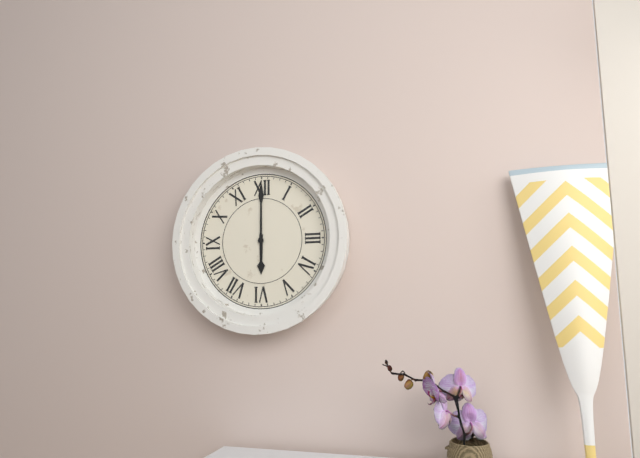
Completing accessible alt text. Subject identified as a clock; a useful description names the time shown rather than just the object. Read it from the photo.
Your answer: 6:00
